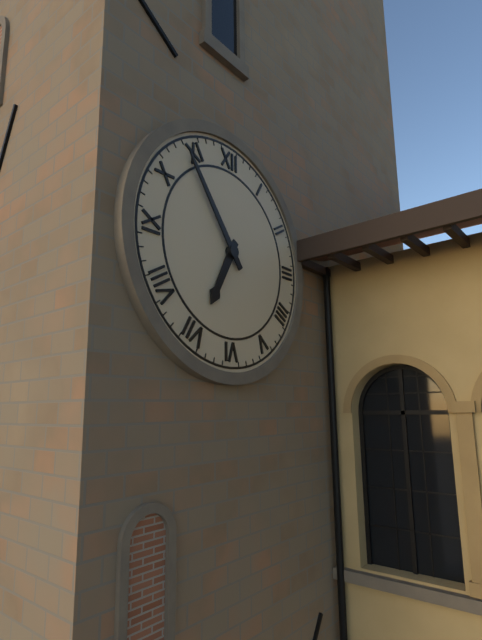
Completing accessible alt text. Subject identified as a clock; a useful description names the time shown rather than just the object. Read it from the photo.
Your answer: 6:54
